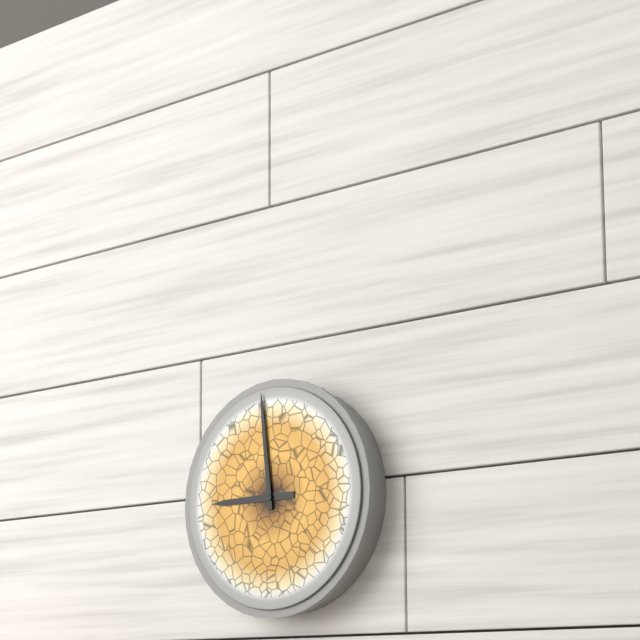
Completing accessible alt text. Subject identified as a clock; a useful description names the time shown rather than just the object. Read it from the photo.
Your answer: 8:59
